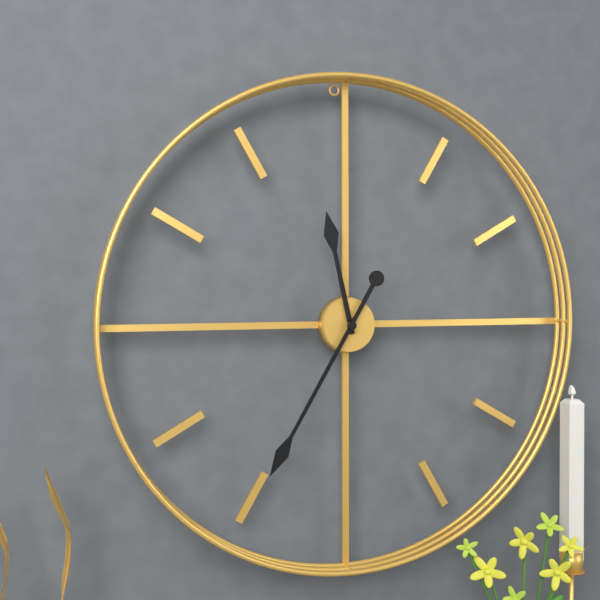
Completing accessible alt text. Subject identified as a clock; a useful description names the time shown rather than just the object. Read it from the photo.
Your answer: 11:35
